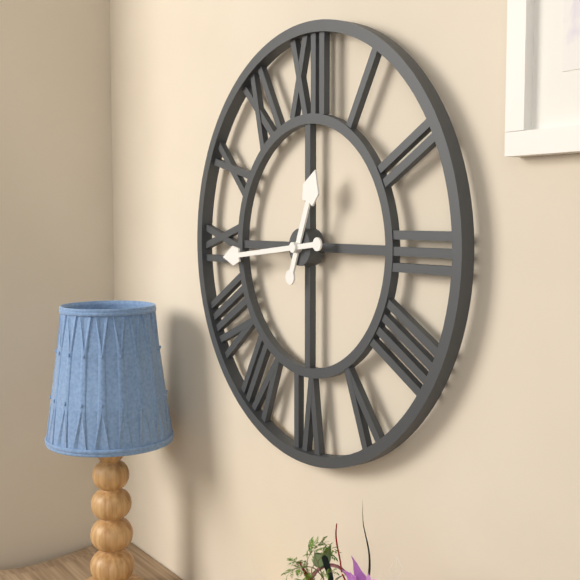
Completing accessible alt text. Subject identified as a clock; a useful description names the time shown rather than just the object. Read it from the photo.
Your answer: 12:44
